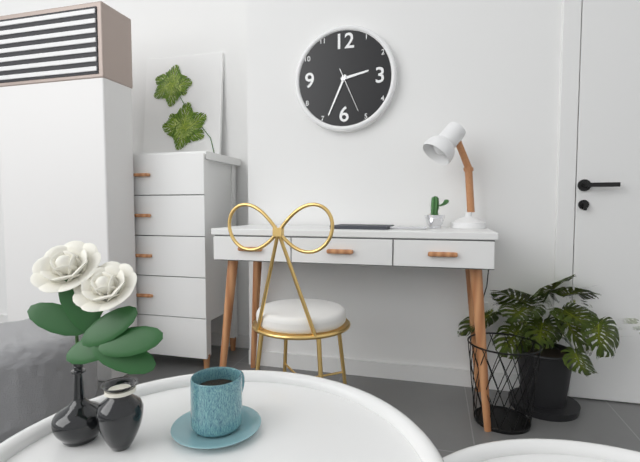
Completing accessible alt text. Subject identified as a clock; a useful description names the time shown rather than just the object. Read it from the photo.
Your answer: 2:34
